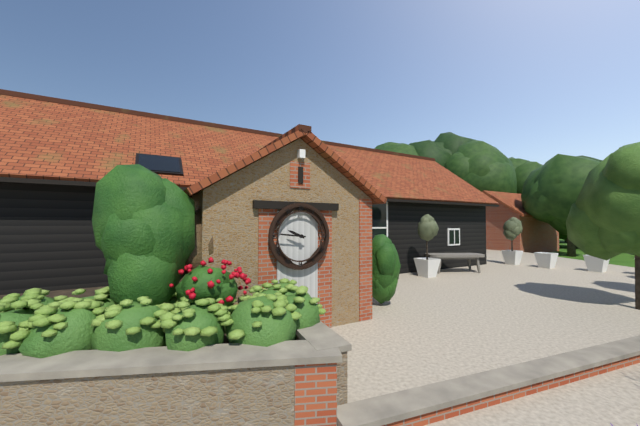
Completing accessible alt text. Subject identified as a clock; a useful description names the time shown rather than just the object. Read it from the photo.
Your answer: 9:46
